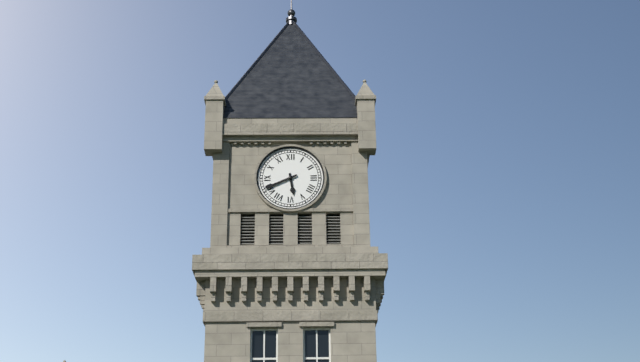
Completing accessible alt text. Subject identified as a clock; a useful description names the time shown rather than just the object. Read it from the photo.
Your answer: 5:41
